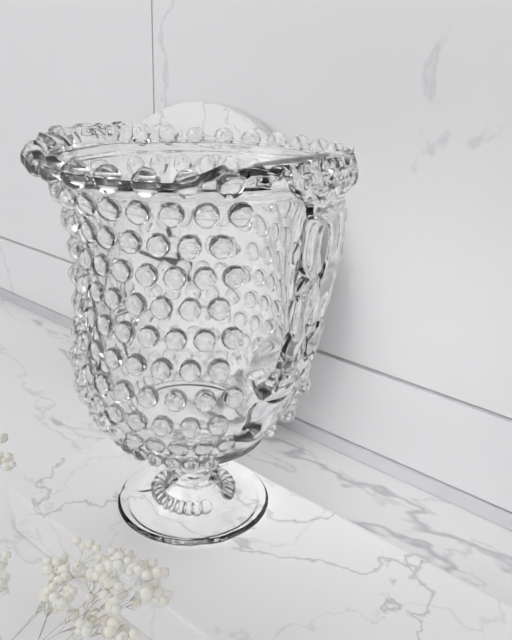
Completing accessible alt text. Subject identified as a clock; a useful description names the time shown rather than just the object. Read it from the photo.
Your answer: 8:52:34
